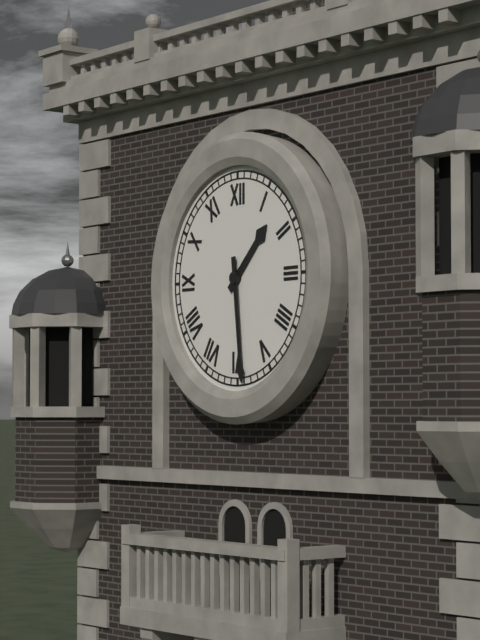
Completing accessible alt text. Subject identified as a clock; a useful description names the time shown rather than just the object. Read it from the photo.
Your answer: 1:29
